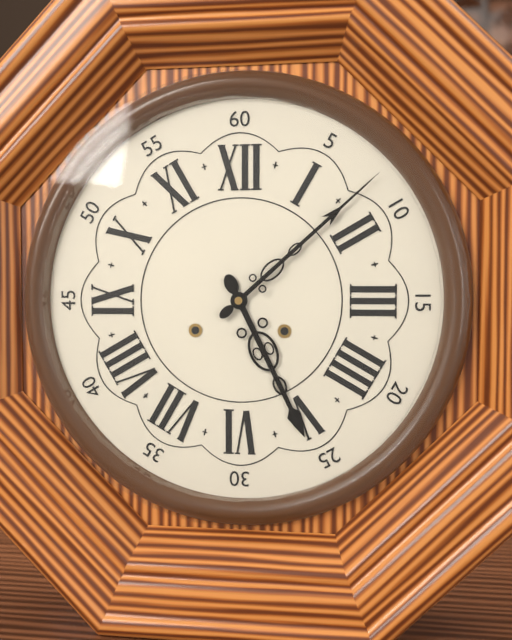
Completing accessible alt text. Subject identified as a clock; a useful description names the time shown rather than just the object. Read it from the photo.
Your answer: 5:08
